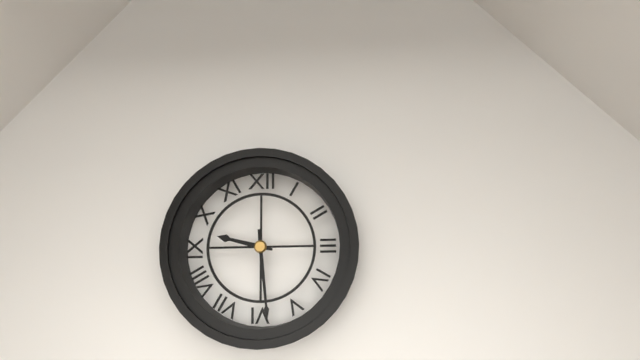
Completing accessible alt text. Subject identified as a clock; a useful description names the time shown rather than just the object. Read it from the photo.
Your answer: 9:29
